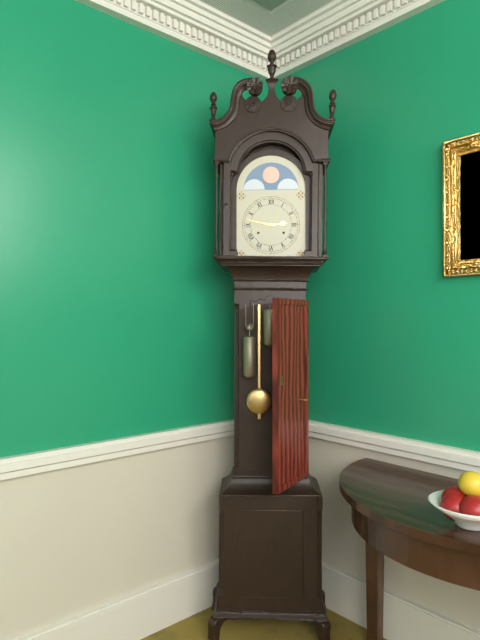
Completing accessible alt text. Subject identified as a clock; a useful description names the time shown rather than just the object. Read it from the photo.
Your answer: 2:47
